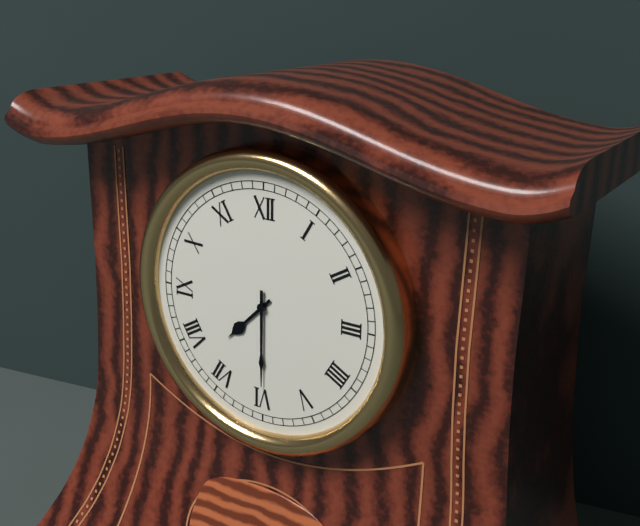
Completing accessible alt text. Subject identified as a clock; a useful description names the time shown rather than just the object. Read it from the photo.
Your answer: 7:30
